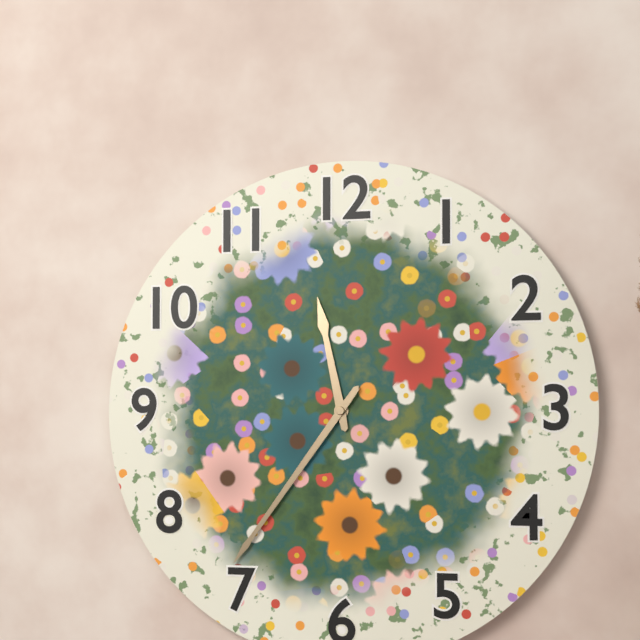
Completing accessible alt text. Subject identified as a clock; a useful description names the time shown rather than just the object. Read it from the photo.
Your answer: 11:36
